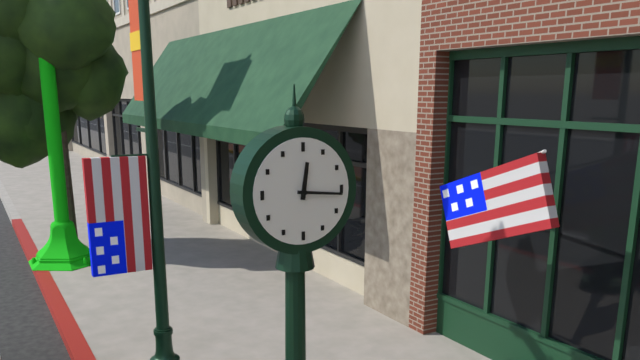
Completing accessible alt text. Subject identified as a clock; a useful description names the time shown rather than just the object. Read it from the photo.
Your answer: 12:16
